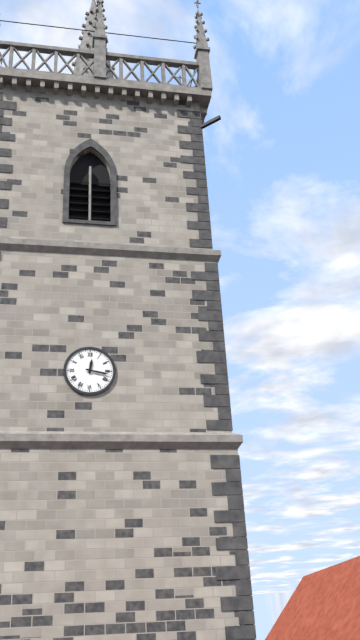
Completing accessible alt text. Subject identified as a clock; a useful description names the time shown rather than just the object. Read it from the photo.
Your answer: 12:17
